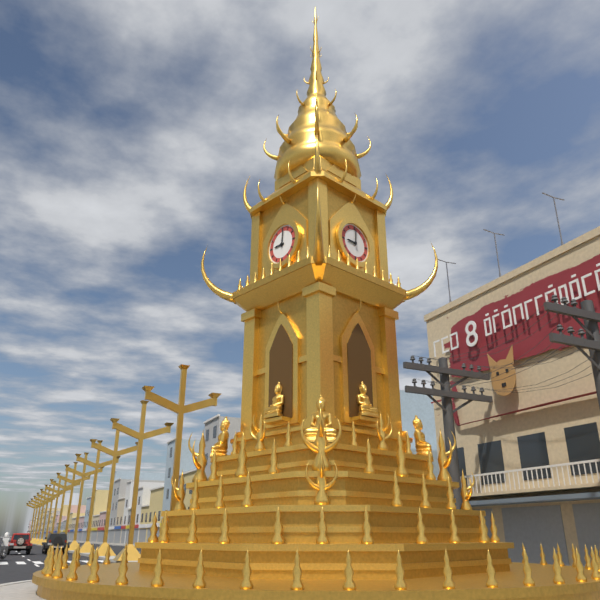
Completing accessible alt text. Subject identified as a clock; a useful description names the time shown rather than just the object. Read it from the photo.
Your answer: 9:01
